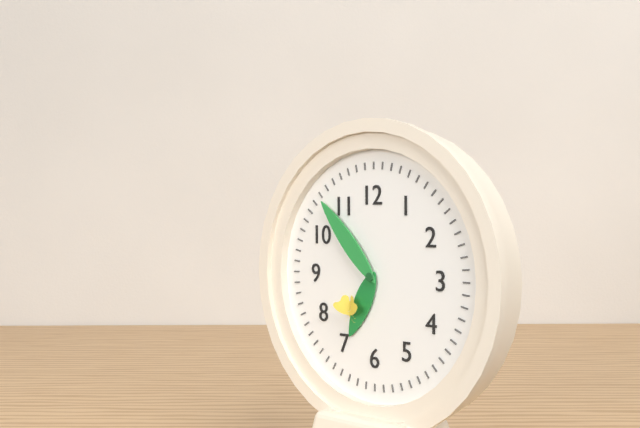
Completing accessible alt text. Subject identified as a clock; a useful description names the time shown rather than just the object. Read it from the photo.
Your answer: 6:53
